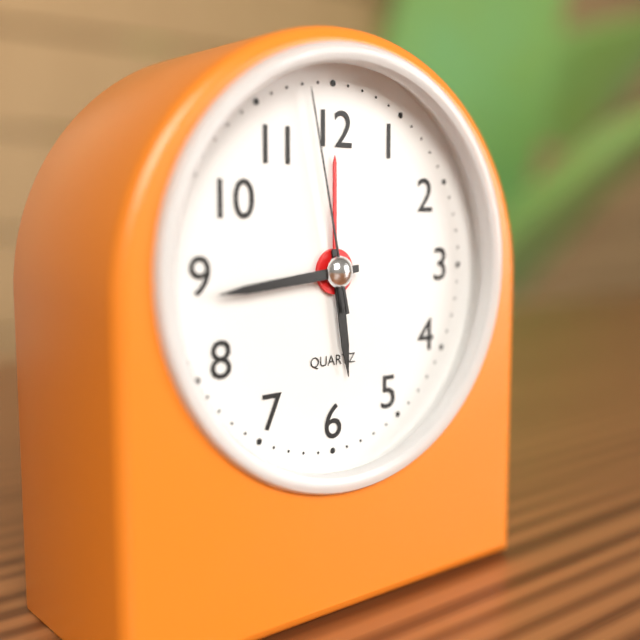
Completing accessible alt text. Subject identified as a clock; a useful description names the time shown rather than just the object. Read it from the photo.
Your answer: 5:44:58
